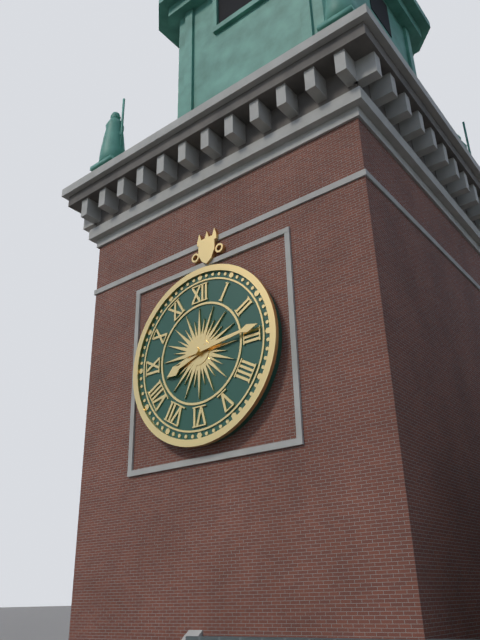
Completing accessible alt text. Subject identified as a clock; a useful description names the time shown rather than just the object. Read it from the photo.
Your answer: 8:14
